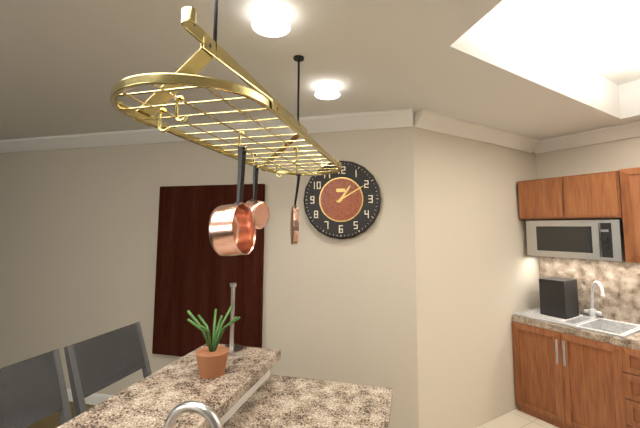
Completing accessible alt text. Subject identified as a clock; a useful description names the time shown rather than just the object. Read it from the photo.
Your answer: 1:10
